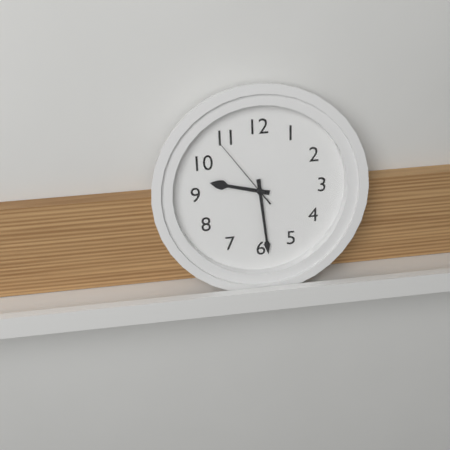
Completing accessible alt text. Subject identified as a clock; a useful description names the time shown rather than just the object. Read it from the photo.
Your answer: 9:29:54
